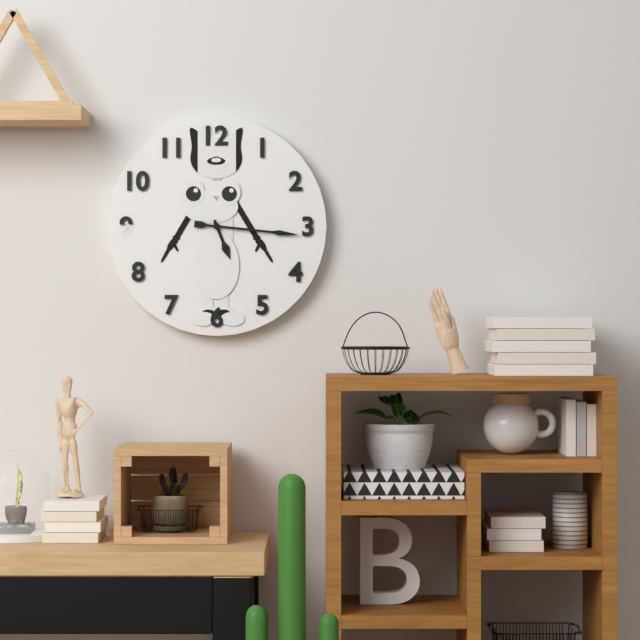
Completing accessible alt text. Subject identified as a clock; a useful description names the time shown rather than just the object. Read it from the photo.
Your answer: 5:16
